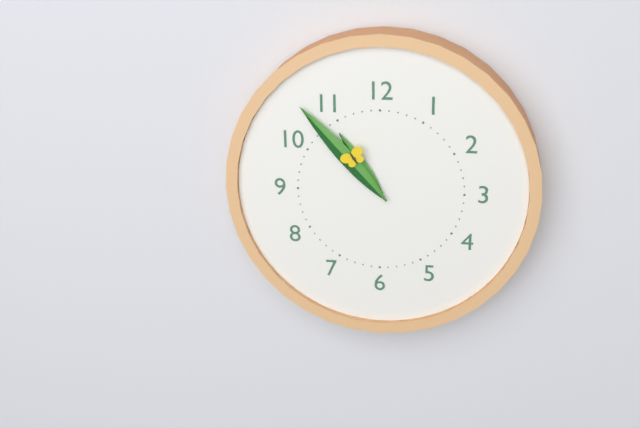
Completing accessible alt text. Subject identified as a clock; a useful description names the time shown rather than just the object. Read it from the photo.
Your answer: 10:53
